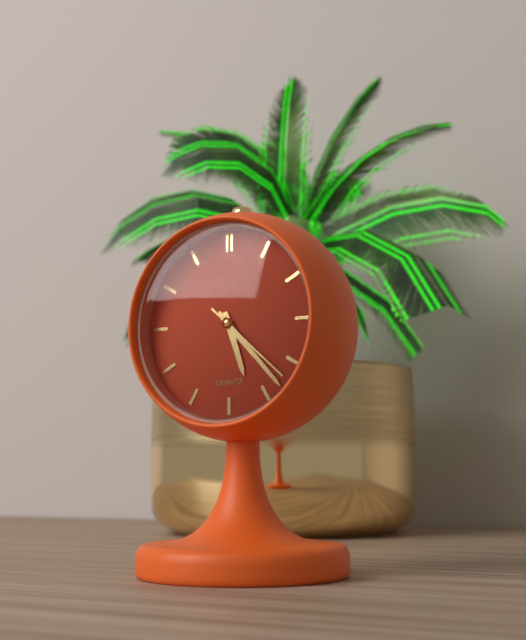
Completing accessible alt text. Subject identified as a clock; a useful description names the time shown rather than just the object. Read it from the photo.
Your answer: 5:23:22
